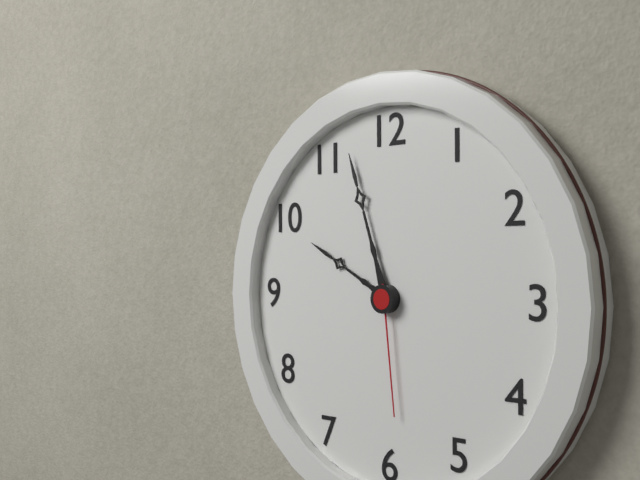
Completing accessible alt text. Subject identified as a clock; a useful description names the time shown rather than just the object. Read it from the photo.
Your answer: 9:57:29
